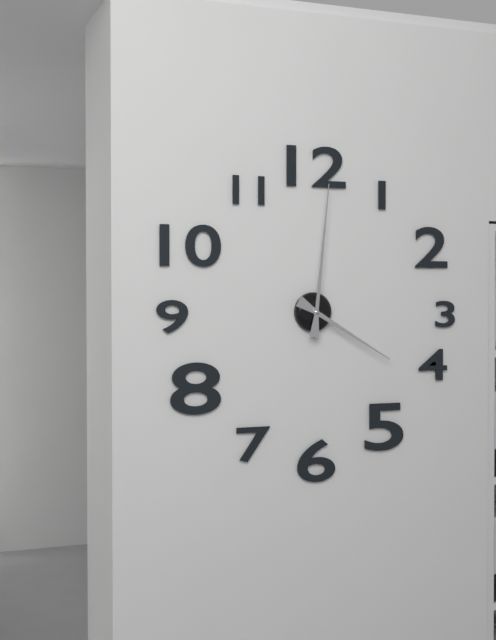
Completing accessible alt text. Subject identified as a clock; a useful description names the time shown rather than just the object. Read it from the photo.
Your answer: 4:01
